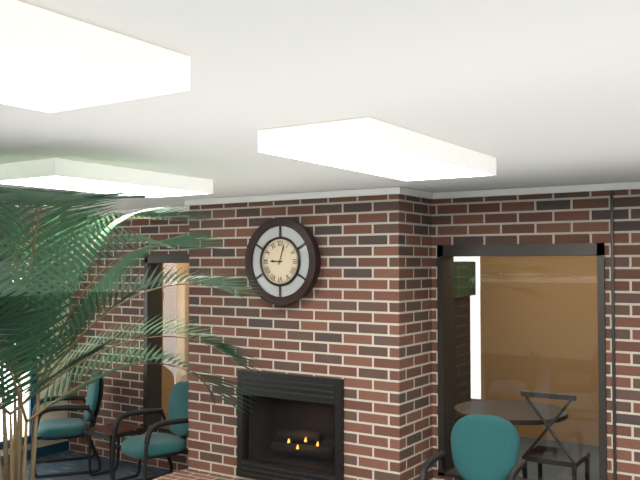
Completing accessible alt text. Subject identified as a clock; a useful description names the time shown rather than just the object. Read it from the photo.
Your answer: 9:03
